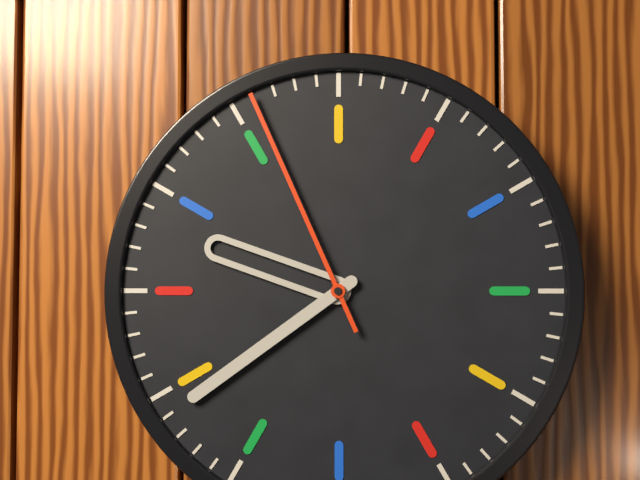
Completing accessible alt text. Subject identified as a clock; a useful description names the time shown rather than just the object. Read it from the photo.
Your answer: 9:39:56
